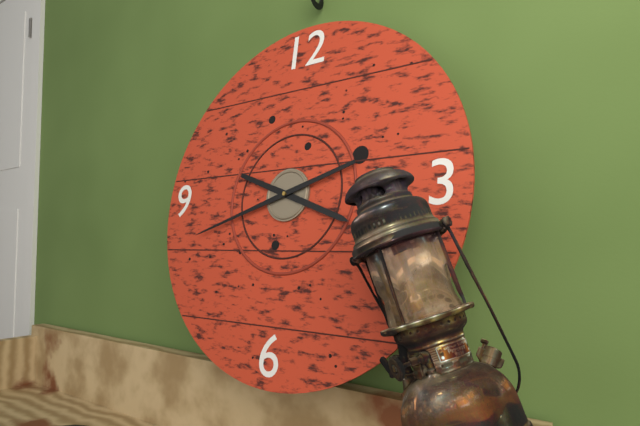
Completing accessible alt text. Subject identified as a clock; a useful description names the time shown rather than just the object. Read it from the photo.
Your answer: 3:42
